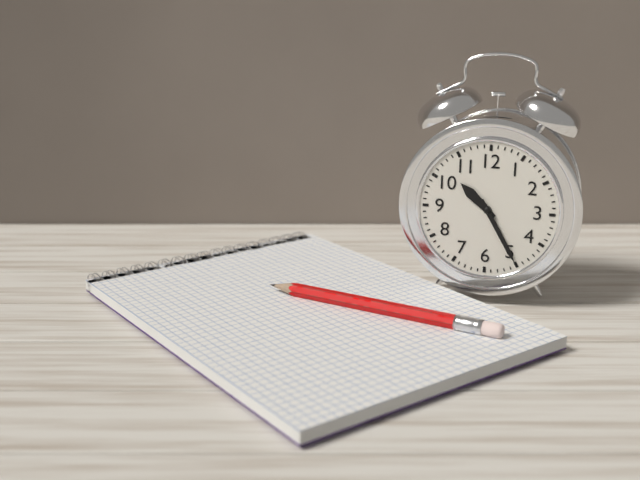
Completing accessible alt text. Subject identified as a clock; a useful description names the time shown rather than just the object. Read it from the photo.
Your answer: 10:25
